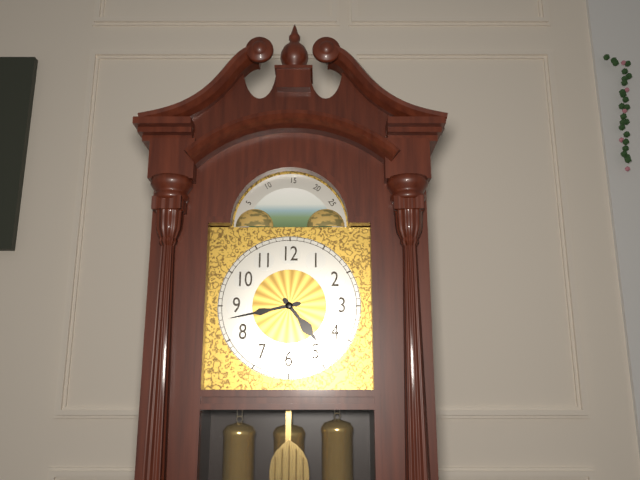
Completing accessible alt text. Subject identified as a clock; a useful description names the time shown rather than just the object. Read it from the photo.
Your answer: 4:43
